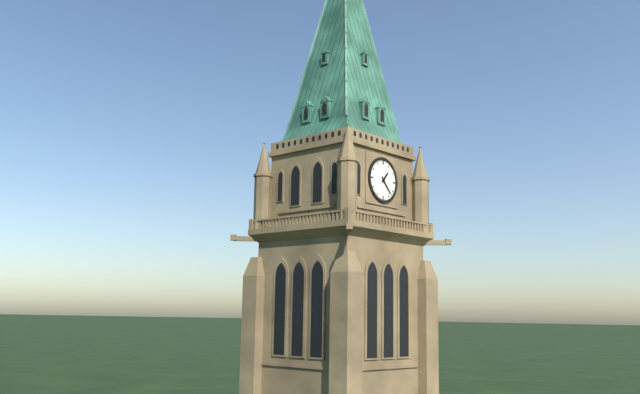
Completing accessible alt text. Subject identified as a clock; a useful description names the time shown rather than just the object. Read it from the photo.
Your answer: 1:23
